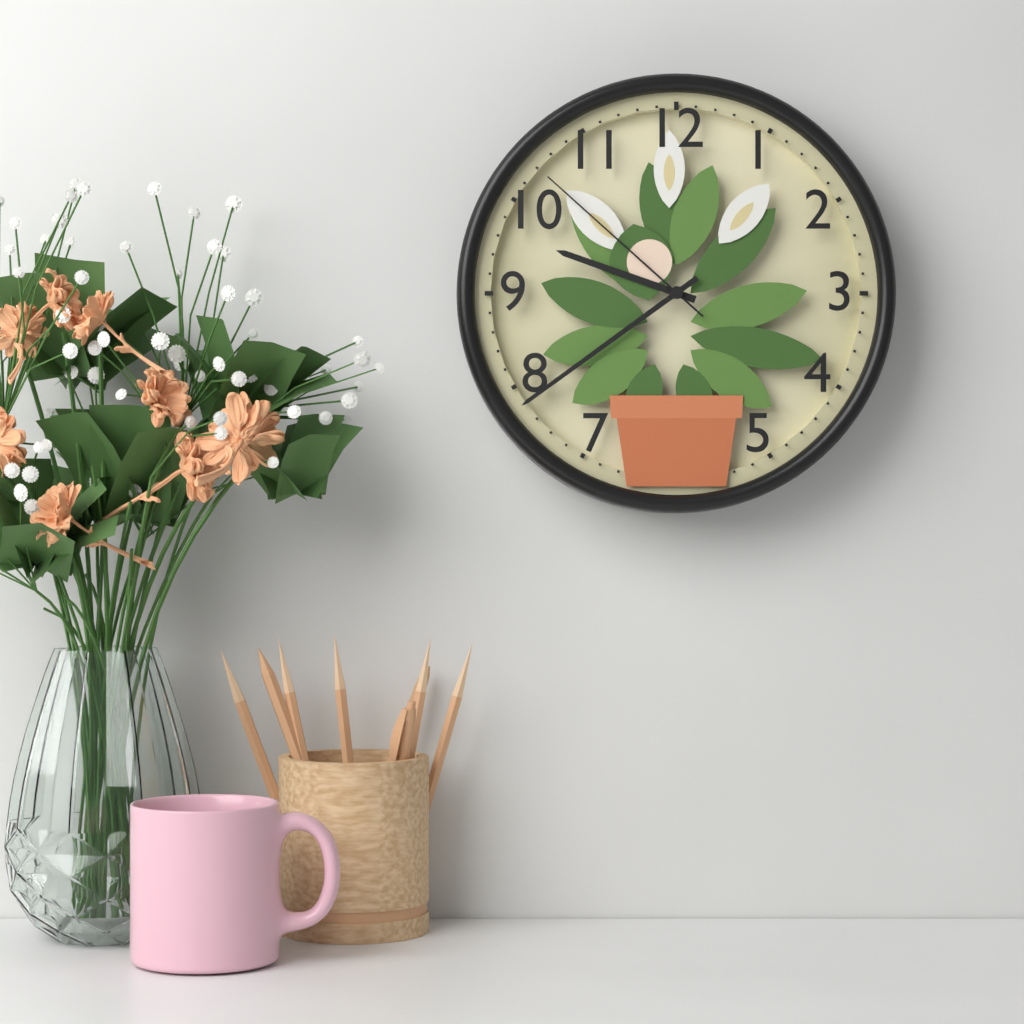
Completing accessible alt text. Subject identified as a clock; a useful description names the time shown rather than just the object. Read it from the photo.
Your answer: 9:39:52
